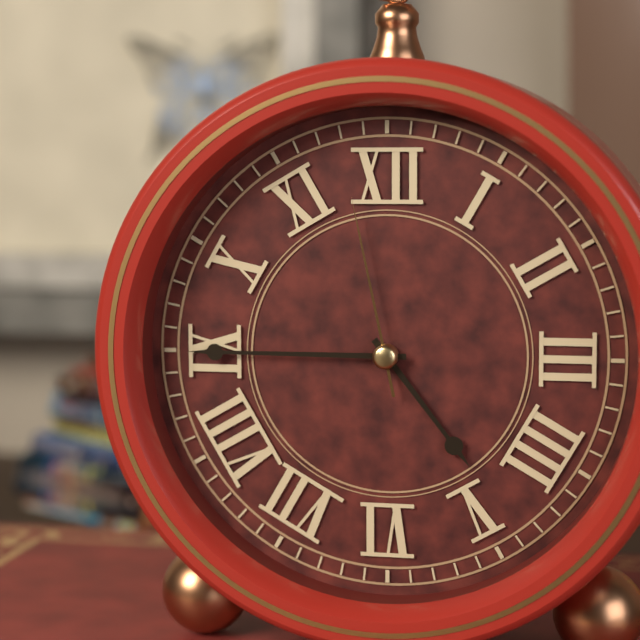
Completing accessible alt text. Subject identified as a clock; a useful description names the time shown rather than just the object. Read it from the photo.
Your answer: 4:45:58
